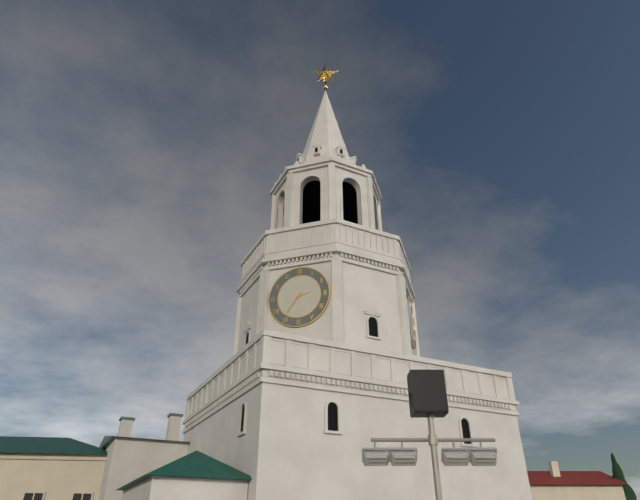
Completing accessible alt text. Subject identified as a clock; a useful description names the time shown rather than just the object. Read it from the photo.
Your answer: 2:36
